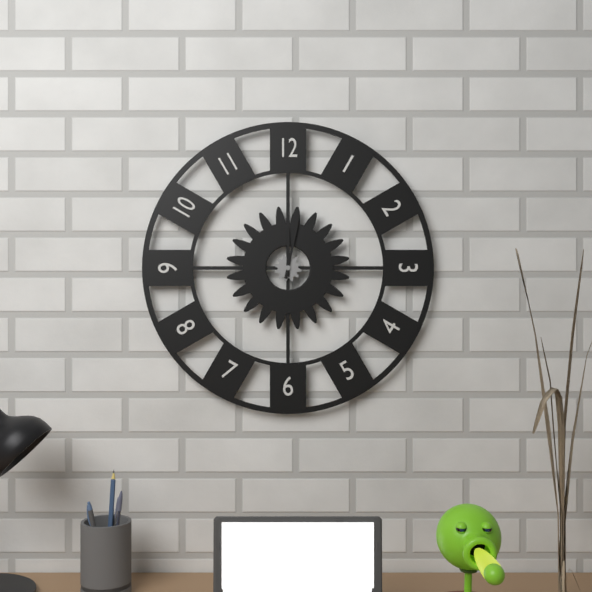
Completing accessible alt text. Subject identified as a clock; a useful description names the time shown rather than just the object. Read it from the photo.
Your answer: 12:02
